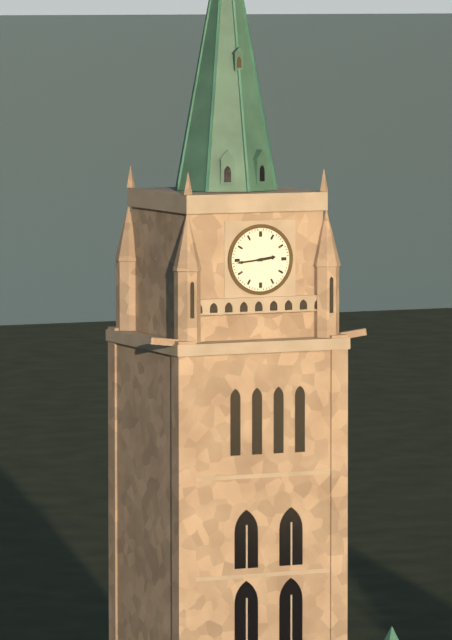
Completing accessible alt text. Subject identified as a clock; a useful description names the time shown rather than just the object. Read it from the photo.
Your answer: 2:44
